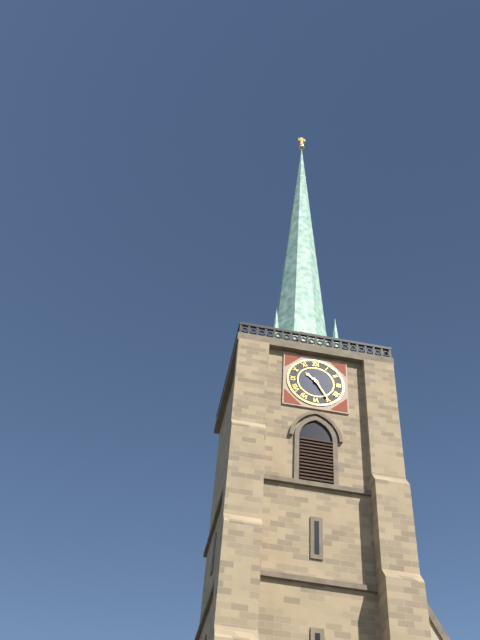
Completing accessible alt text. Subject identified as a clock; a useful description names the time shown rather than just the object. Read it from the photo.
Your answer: 10:25
